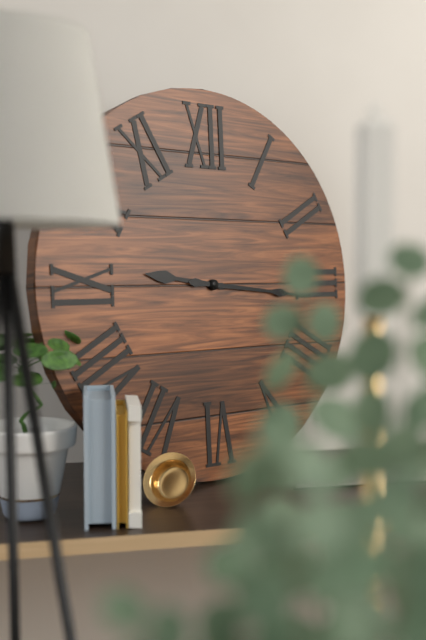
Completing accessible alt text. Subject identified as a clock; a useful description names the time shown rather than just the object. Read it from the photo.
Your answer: 9:16
